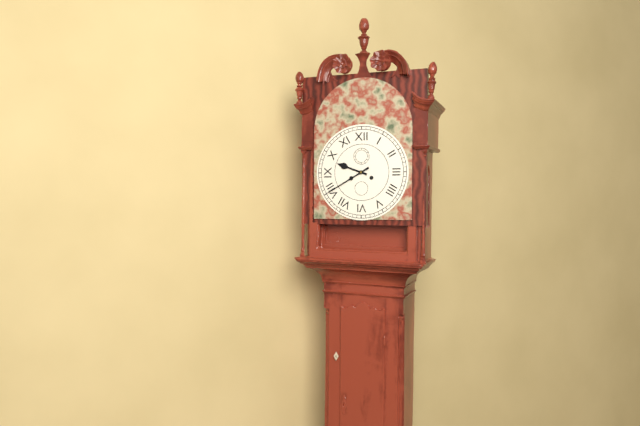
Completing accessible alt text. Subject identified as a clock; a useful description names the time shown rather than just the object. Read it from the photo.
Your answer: 9:40
